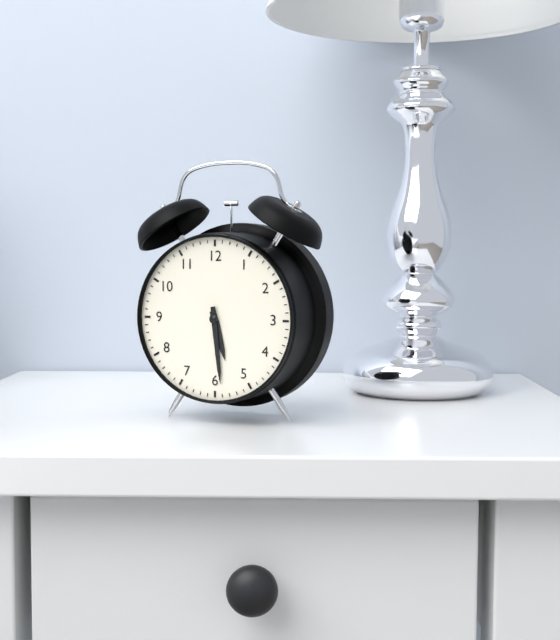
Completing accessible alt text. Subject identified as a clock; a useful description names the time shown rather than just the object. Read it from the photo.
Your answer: 5:29
